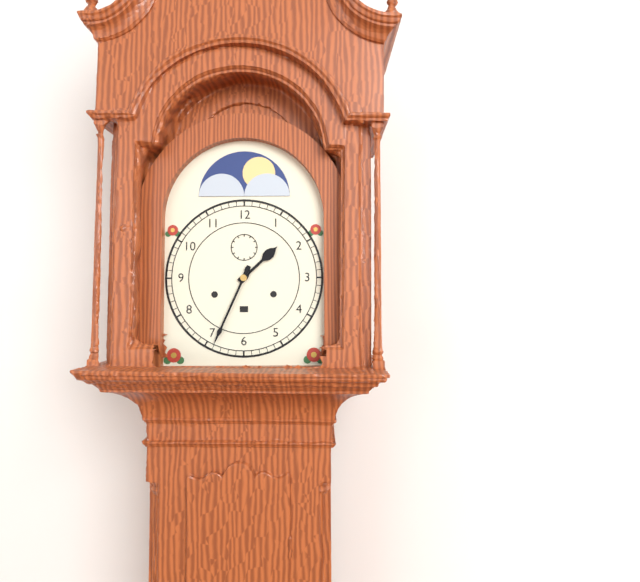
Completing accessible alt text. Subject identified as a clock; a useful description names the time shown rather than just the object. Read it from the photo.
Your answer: 1:34
